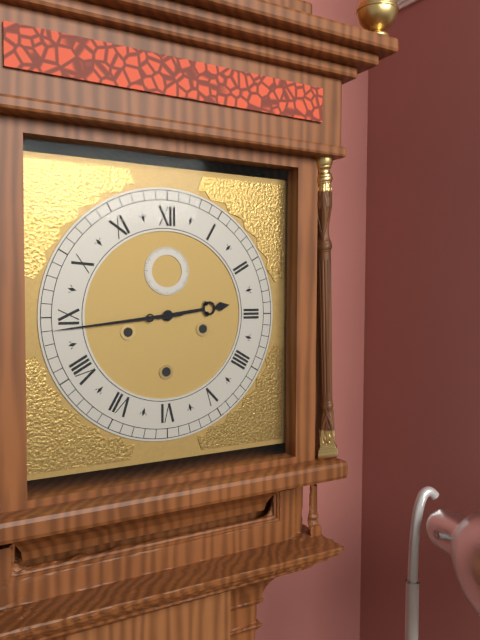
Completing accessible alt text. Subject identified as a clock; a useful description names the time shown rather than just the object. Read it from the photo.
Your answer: 2:44
